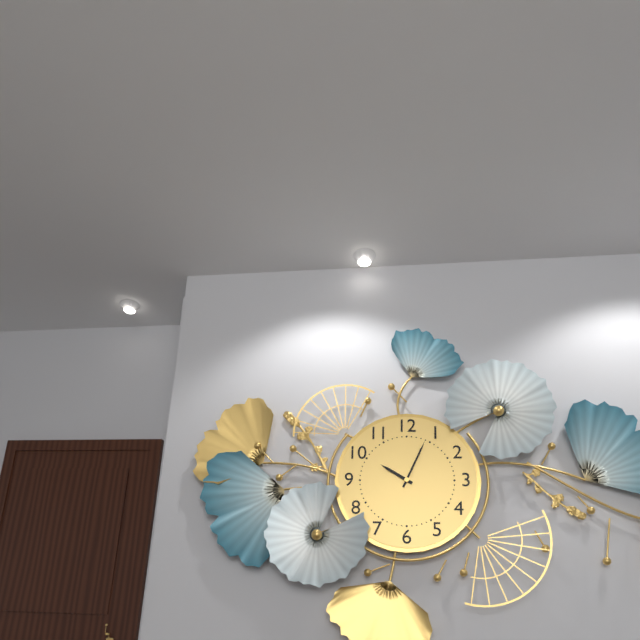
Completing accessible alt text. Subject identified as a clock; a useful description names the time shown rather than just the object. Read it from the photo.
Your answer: 10:04
